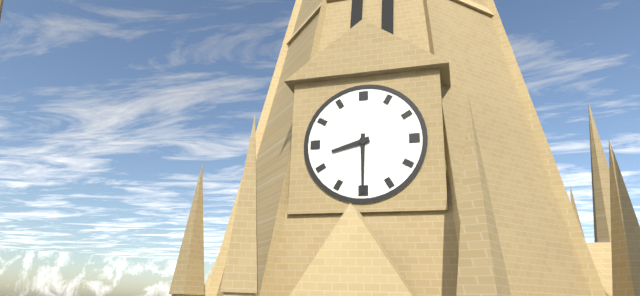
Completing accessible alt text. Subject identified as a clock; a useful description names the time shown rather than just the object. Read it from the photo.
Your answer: 8:30
